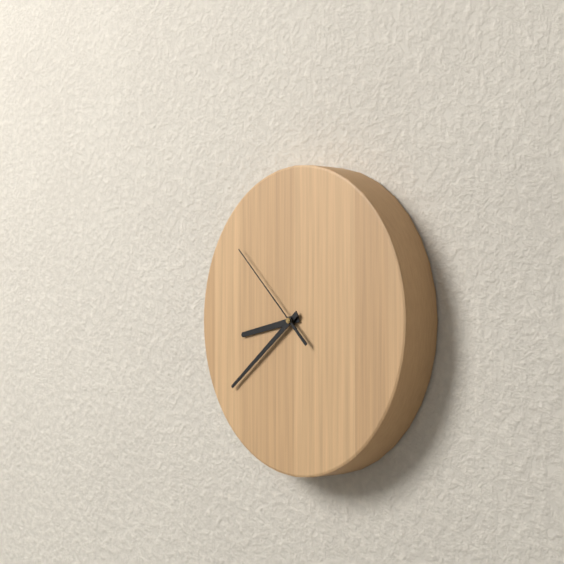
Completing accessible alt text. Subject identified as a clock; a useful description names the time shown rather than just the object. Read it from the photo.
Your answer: 8:39:52
